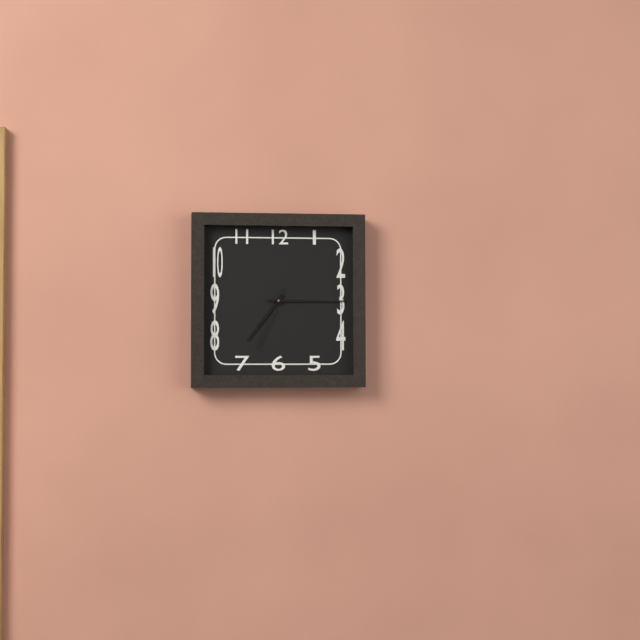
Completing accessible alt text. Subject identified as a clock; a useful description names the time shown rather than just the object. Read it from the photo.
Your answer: 7:15:34
